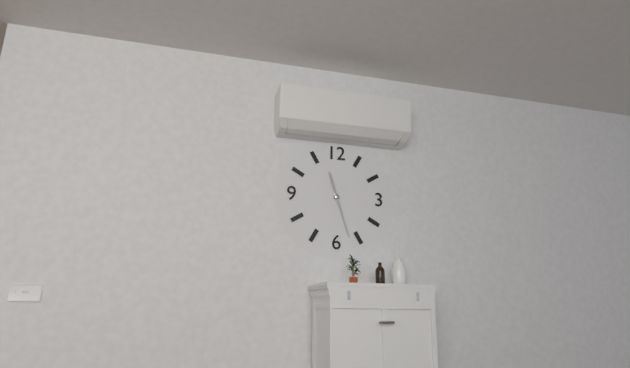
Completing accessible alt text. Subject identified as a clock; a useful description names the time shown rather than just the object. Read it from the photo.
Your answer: 11:27
